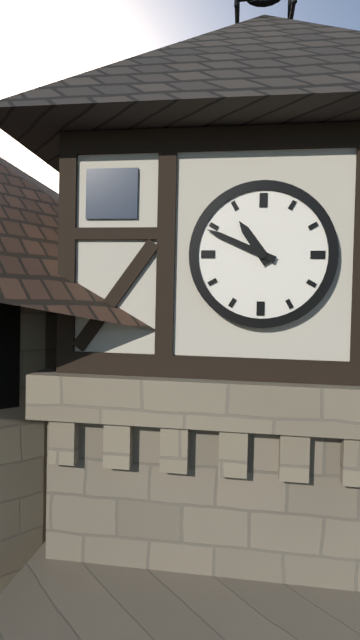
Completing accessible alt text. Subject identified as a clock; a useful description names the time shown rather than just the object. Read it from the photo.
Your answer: 10:49
